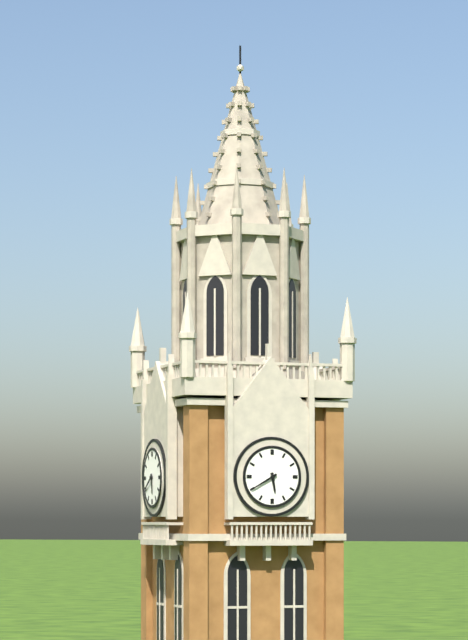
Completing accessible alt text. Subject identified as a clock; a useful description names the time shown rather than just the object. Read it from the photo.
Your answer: 5:40
